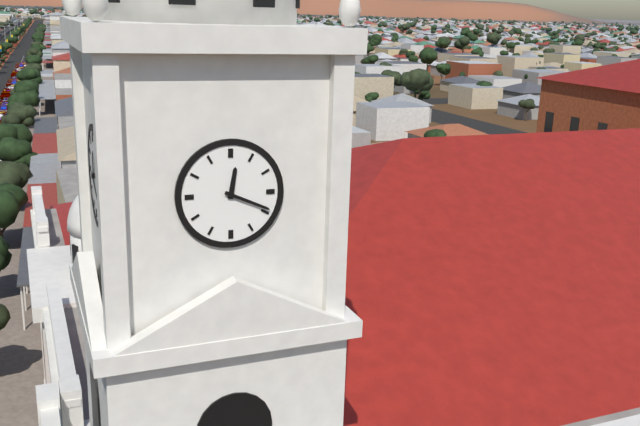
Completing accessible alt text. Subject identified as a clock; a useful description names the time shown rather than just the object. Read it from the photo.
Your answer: 12:19
